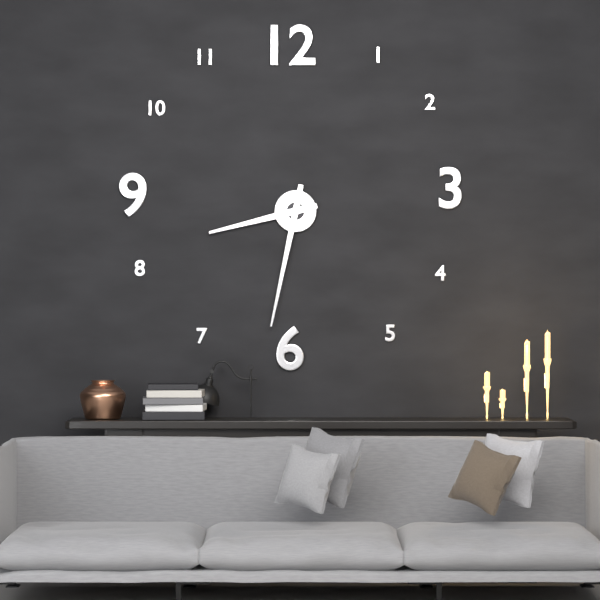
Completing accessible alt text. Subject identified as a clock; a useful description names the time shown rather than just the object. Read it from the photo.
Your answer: 8:32
